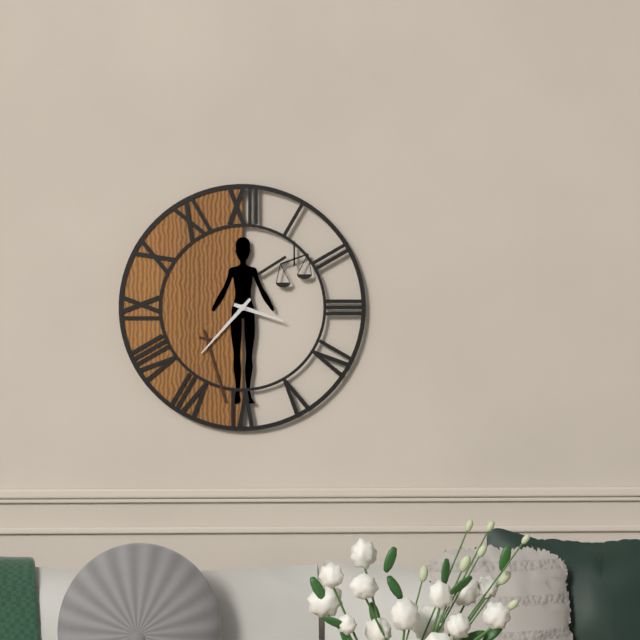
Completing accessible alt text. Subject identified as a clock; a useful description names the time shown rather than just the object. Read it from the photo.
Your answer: 3:37
